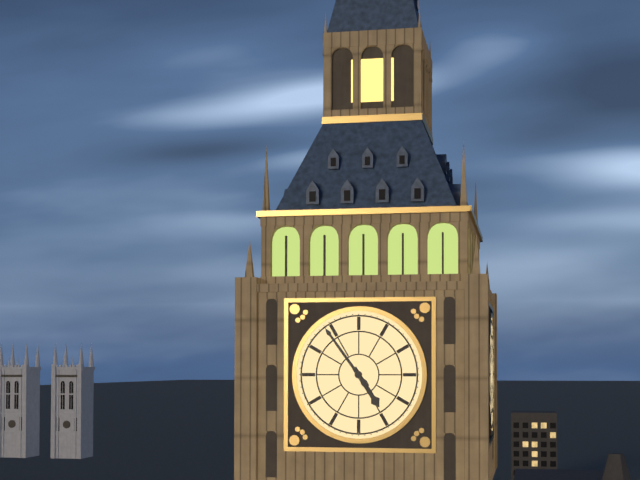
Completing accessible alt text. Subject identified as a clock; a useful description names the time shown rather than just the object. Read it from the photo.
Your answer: 4:54
